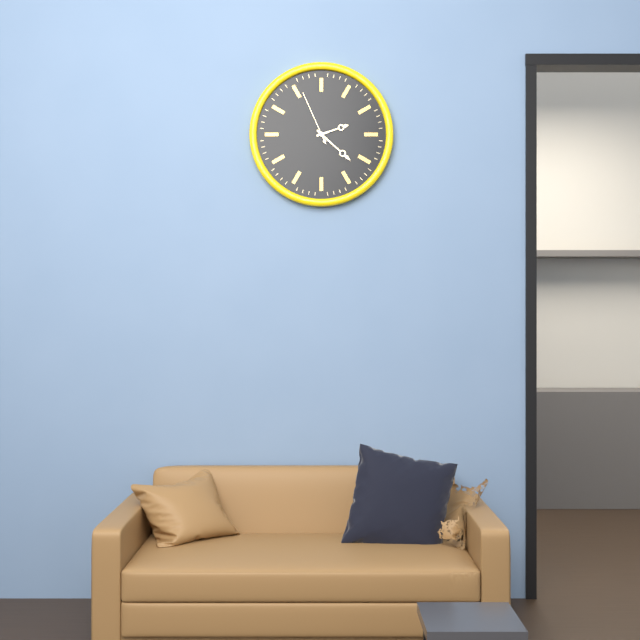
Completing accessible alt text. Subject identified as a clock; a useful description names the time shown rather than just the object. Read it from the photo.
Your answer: 2:22:56
